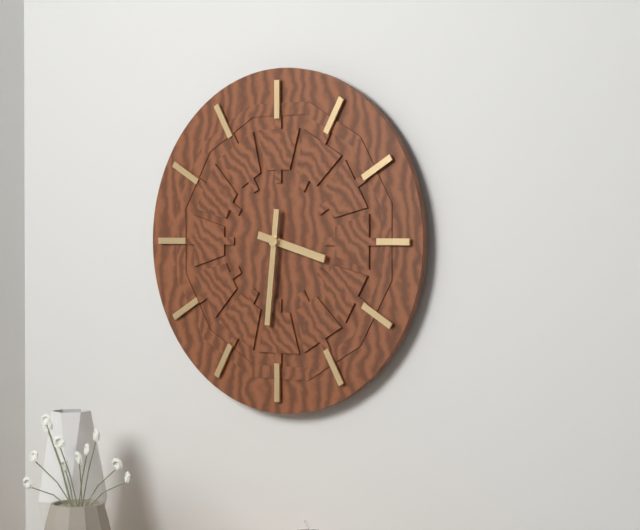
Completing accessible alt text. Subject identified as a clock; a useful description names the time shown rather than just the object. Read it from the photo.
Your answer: 3:31
